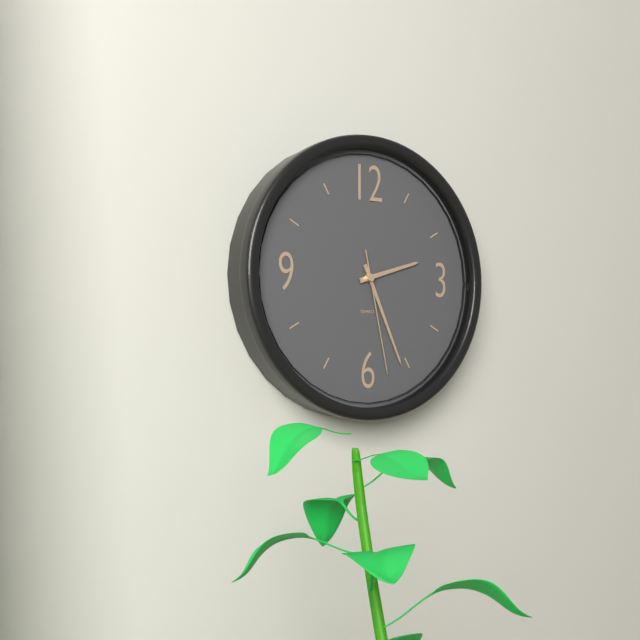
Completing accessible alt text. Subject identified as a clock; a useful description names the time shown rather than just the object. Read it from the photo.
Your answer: 2:26:28
